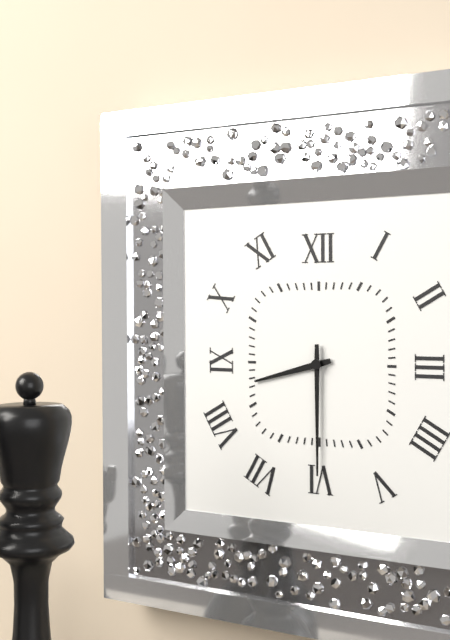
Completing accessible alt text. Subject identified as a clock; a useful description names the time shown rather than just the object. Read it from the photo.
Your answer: 8:30
